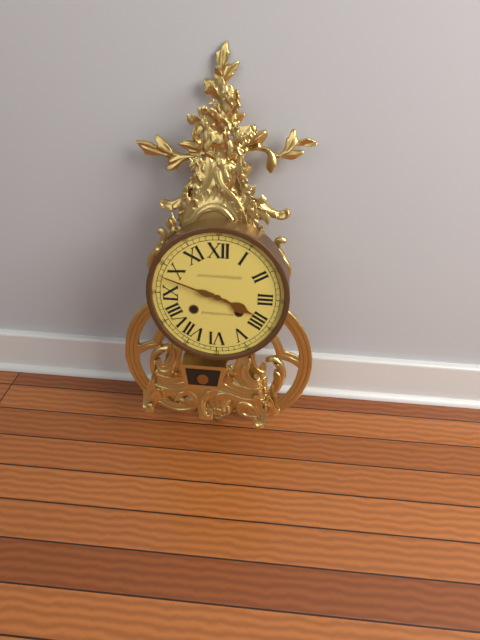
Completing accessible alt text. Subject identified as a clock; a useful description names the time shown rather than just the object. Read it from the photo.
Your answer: 3:48
